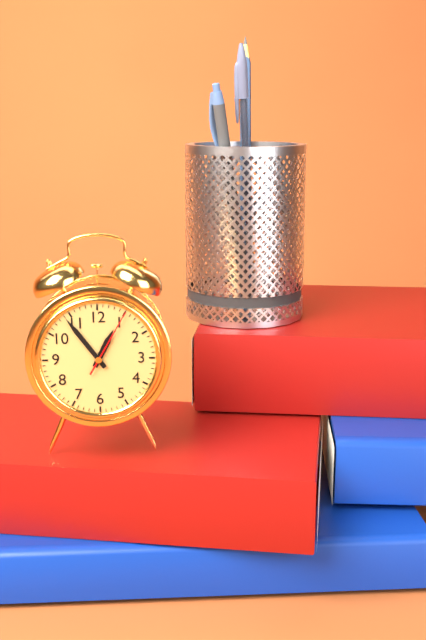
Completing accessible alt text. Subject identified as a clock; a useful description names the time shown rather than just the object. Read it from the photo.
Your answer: 12:54:05
